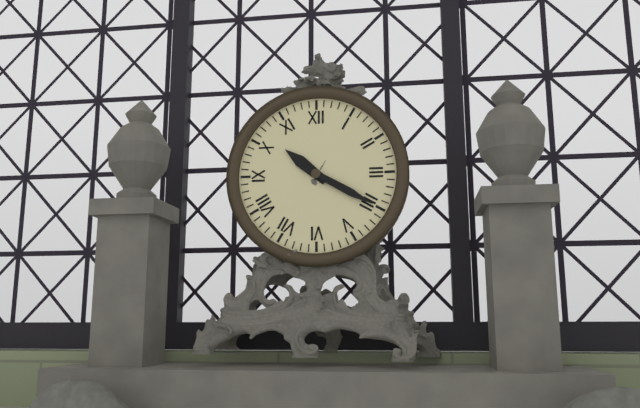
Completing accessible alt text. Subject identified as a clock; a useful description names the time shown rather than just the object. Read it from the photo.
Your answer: 10:20
